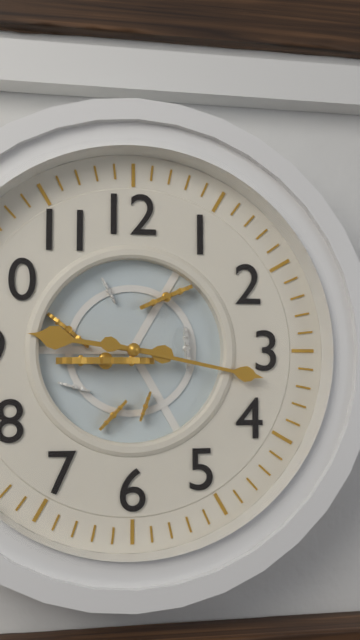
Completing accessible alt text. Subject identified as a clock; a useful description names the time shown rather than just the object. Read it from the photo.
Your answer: 9:17
